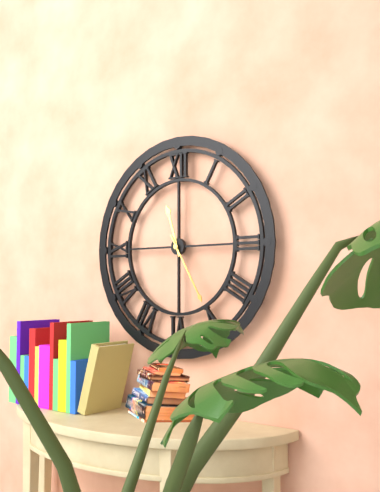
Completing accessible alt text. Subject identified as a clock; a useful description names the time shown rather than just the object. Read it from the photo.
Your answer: 11:25
